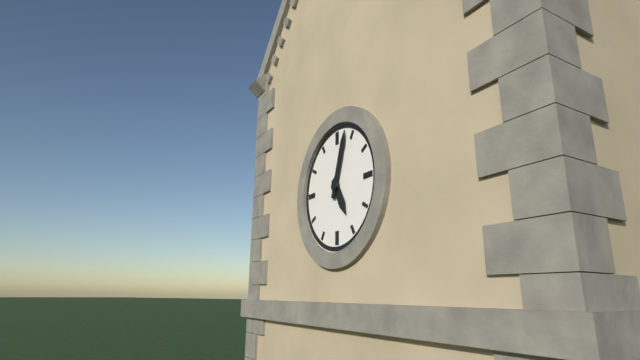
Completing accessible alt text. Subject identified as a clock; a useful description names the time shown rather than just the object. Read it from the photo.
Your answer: 5:03
